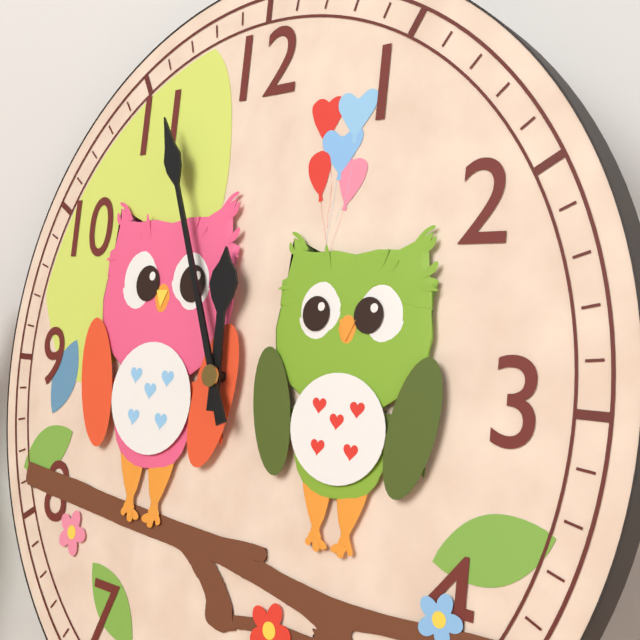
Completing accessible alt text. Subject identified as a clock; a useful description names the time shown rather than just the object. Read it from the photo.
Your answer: 11:56
